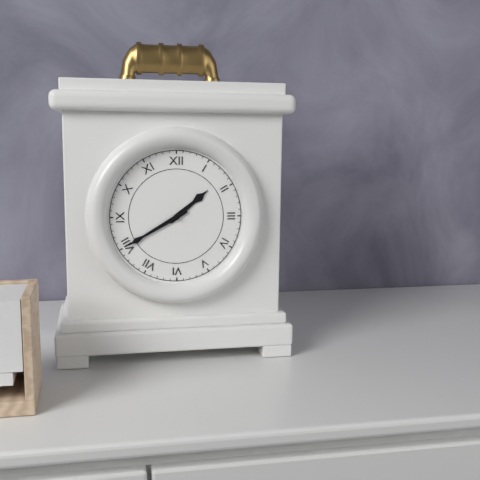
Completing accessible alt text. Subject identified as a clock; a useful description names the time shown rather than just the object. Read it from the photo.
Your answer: 1:40
